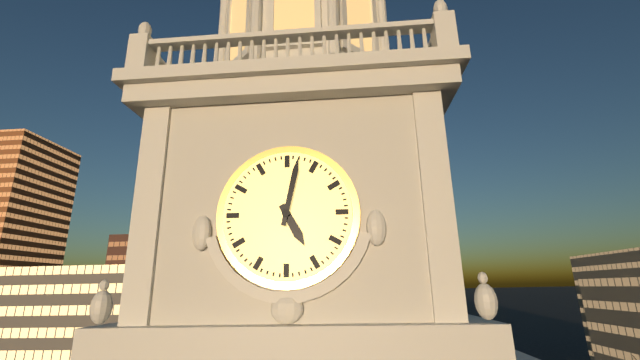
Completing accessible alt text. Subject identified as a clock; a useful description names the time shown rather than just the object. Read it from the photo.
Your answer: 5:02
